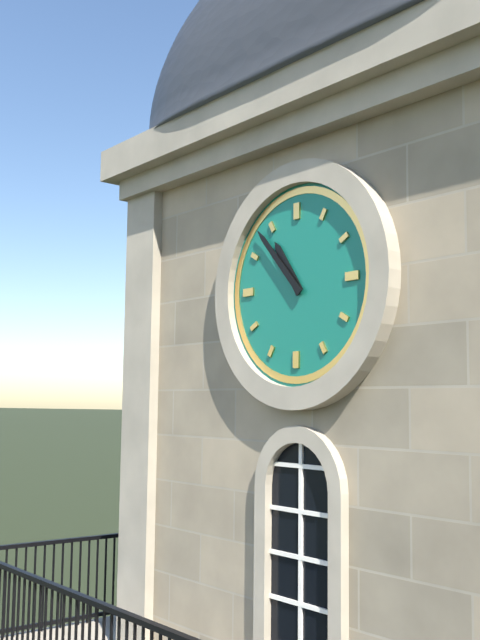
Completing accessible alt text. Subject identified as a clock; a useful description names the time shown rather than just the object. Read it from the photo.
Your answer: 10:53
